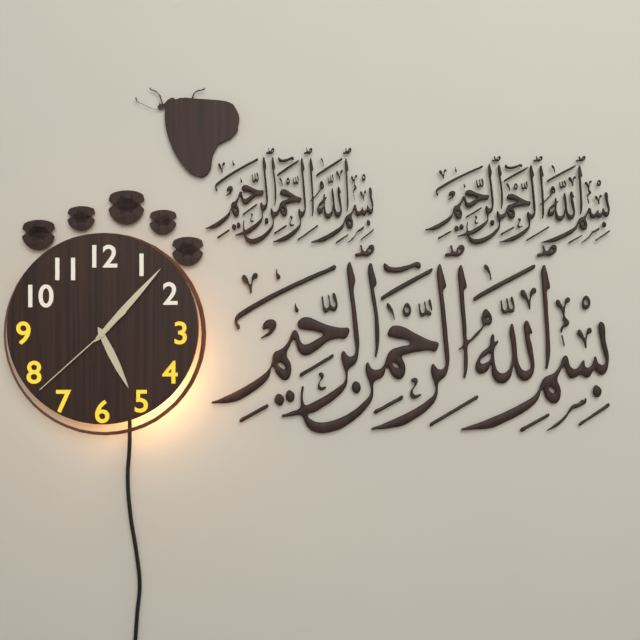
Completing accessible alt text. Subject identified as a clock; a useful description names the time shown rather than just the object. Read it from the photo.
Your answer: 5:07:38
